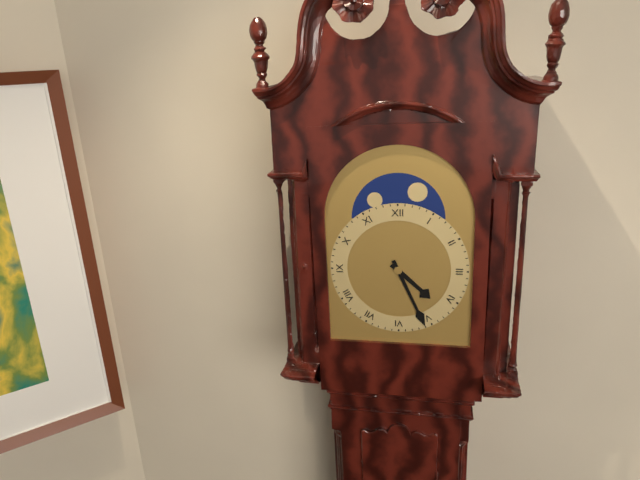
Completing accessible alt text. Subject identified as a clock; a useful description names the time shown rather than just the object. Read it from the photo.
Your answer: 4:26
